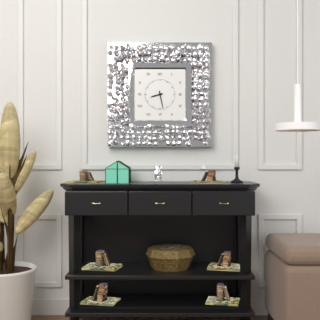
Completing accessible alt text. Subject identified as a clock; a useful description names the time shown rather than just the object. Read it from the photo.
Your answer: 8:28
